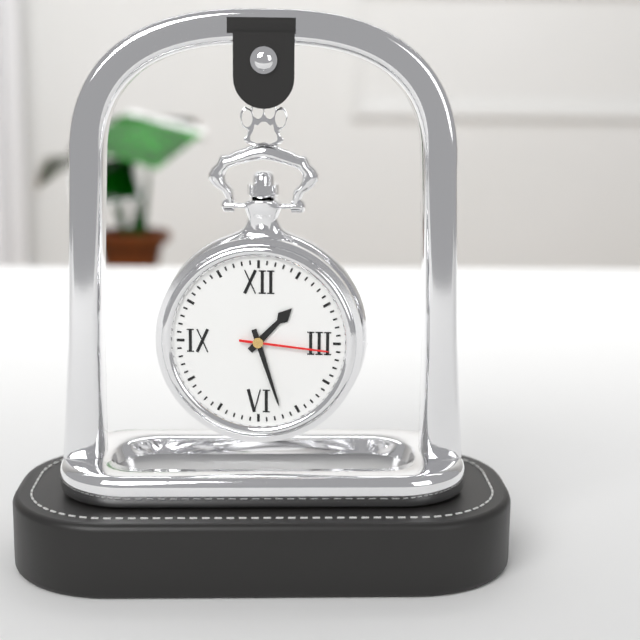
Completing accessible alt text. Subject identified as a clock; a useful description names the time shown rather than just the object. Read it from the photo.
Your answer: 1:27:16
